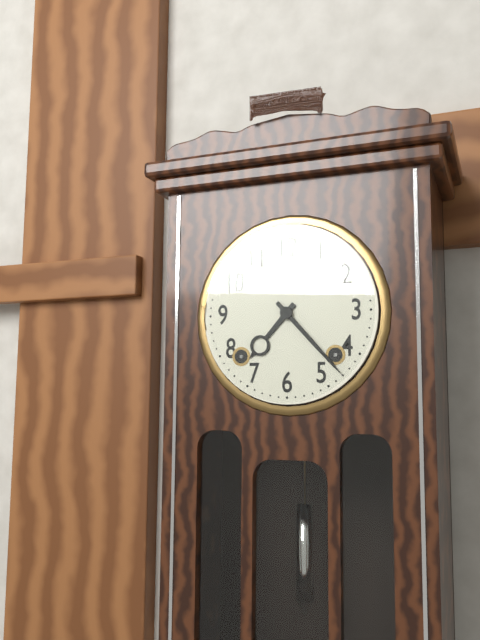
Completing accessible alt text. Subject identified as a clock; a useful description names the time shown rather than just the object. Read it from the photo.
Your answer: 7:23
